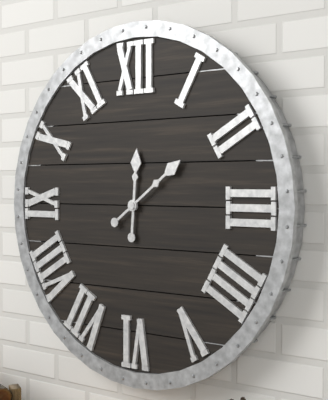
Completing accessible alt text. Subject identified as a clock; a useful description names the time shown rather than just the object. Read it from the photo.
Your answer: 12:09
